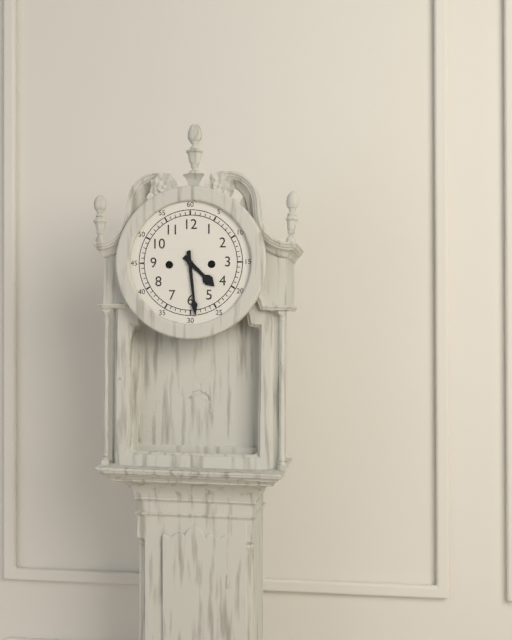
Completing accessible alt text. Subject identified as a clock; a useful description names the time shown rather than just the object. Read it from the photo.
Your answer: 4:29
